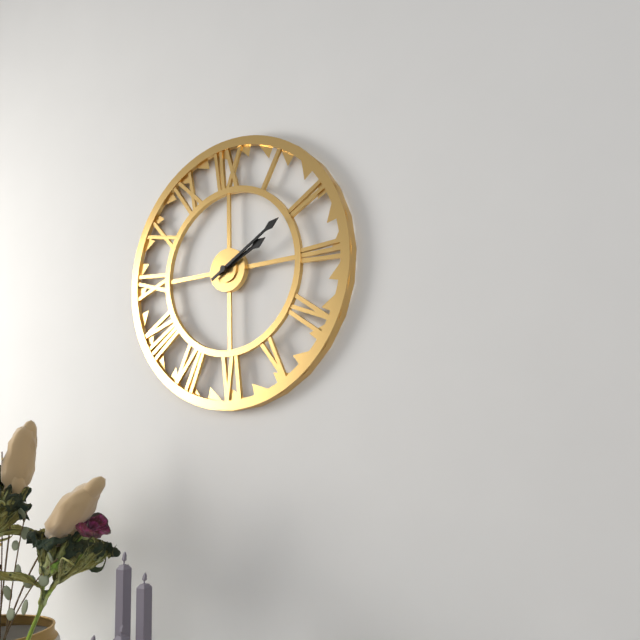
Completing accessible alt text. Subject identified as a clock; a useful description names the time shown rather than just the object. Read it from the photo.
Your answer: 2:10
